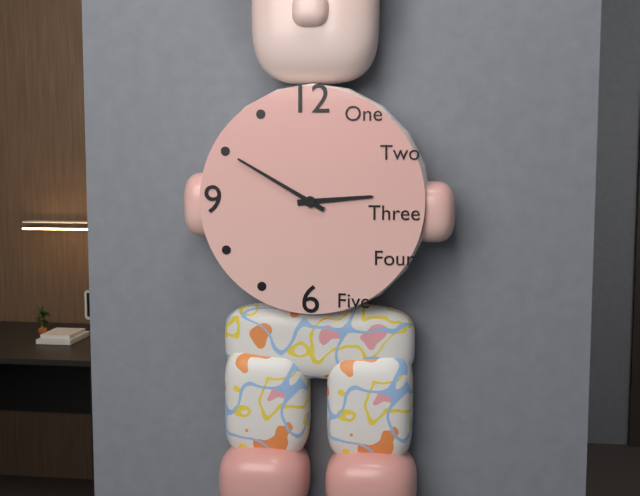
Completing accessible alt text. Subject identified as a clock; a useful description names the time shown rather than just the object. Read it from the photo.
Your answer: 2:50
